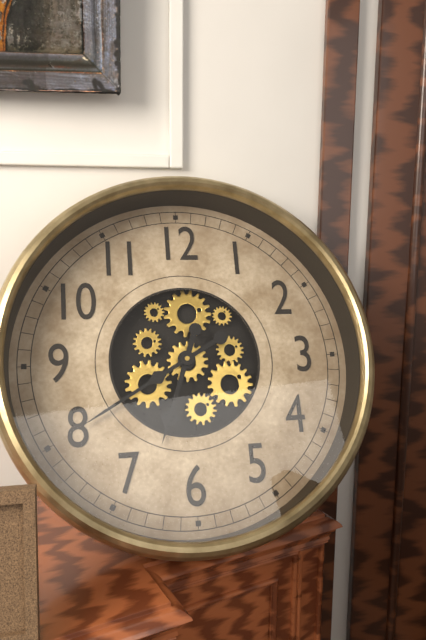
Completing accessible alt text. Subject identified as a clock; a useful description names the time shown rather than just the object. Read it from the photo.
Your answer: 6:40
